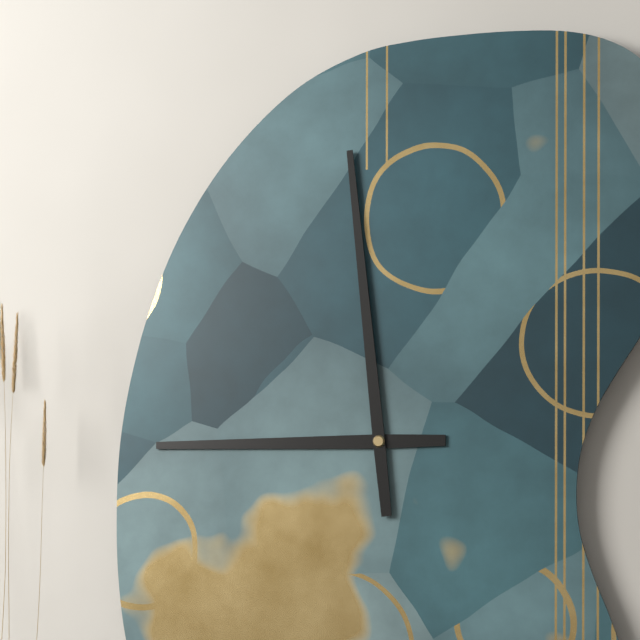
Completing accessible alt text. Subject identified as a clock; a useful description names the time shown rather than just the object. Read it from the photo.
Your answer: 8:59
